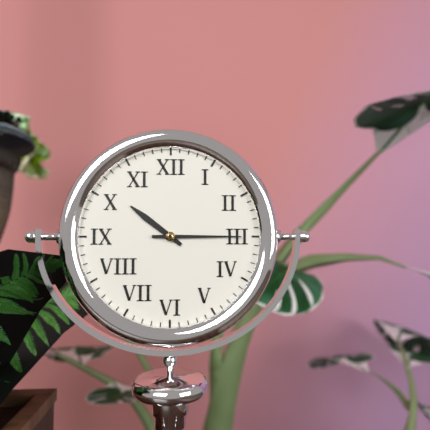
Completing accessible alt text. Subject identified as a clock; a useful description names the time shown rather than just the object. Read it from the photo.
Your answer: 10:15
